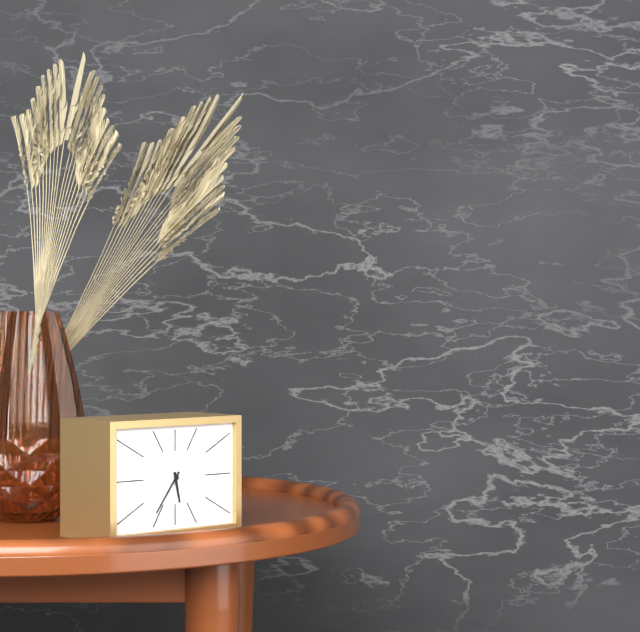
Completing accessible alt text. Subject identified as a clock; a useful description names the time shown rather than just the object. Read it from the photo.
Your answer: 5:36
